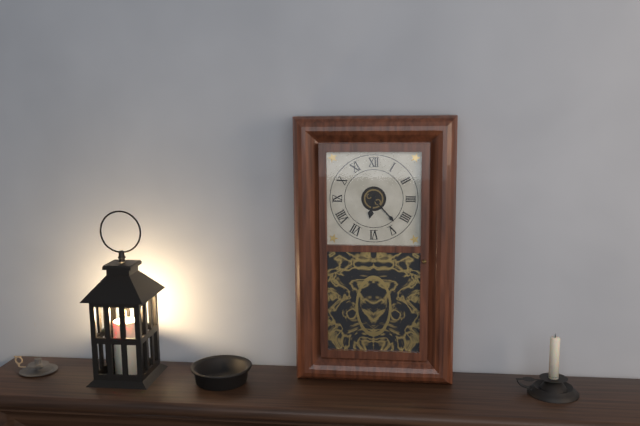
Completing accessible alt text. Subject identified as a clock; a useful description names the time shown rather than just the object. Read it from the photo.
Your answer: 6:23
